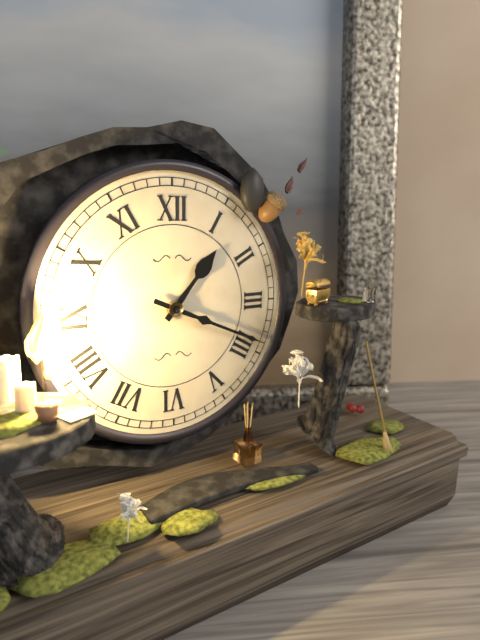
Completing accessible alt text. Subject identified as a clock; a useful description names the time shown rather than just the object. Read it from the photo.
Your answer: 1:19
